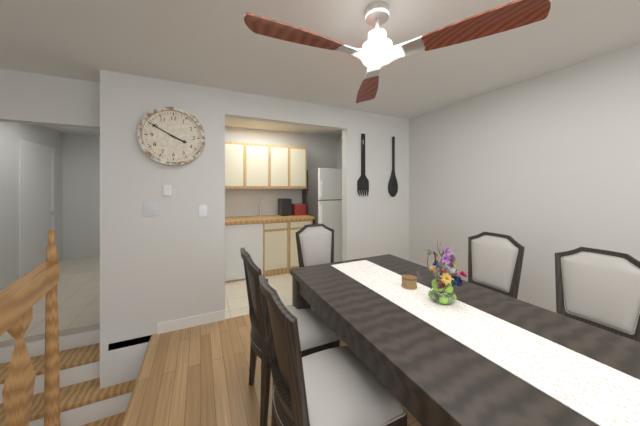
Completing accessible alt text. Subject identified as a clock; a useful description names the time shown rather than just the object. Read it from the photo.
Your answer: 3:50
